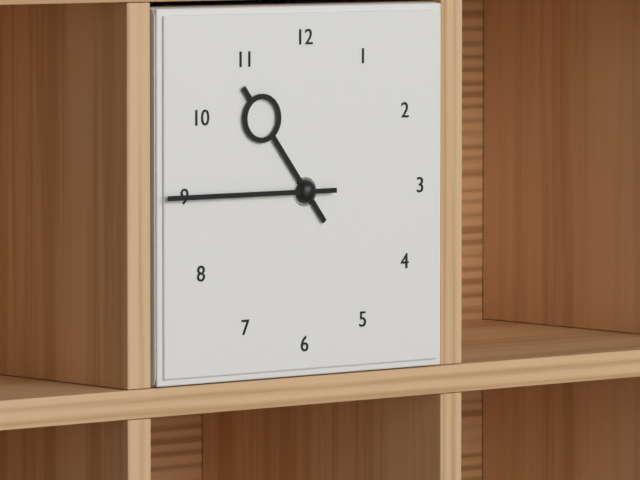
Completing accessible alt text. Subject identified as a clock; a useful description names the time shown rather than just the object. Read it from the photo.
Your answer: 10:45
